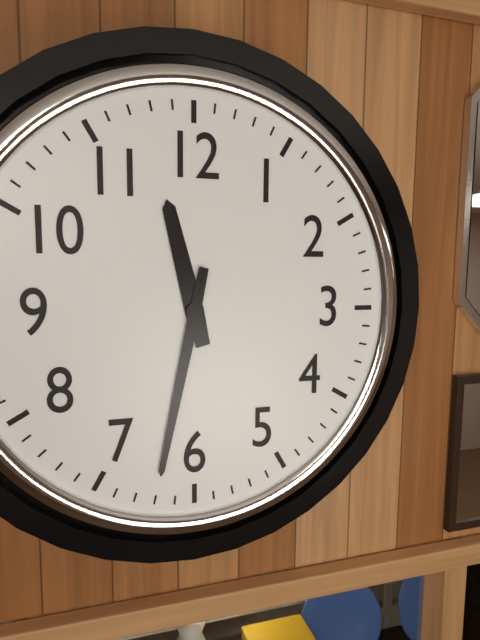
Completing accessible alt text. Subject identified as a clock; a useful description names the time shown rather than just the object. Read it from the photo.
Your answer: 11:32
